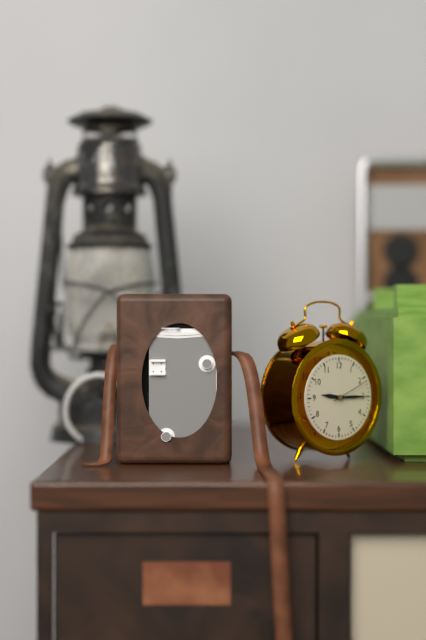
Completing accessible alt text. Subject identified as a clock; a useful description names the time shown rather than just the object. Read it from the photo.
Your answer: 9:15
